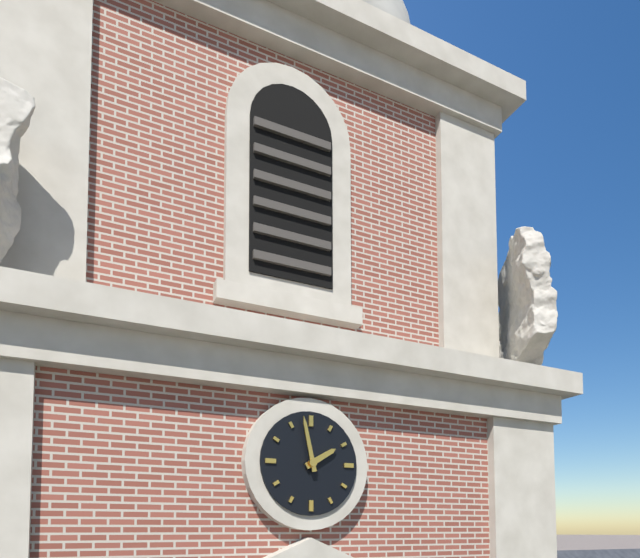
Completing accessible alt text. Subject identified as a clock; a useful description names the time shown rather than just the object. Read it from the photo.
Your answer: 1:58
